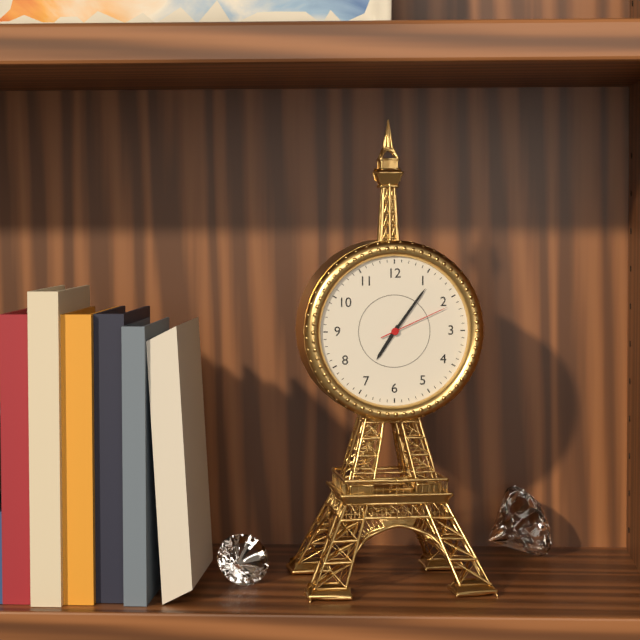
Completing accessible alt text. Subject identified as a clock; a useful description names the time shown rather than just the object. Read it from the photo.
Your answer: 7:06:11
